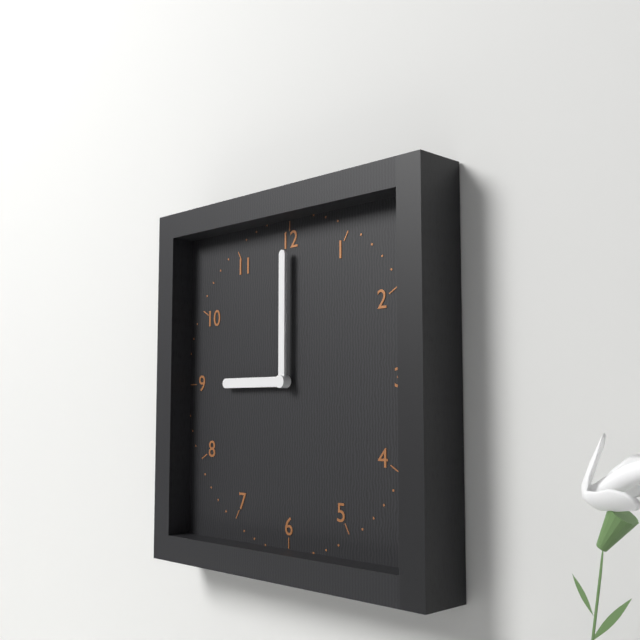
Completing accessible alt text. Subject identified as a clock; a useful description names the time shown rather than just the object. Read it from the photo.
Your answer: 9:00
